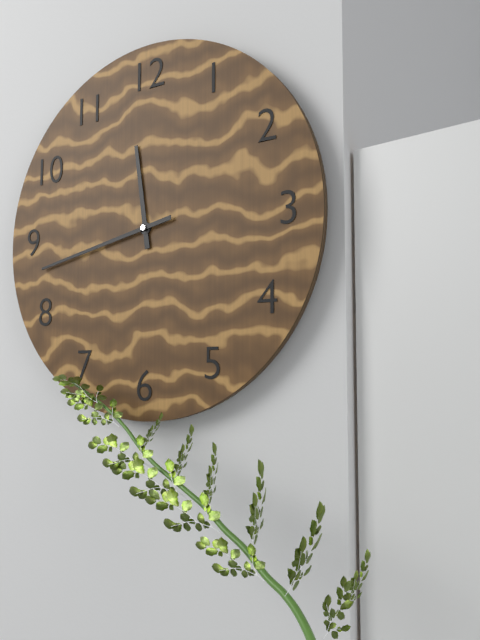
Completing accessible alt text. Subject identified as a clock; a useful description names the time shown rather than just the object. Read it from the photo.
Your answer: 11:43
